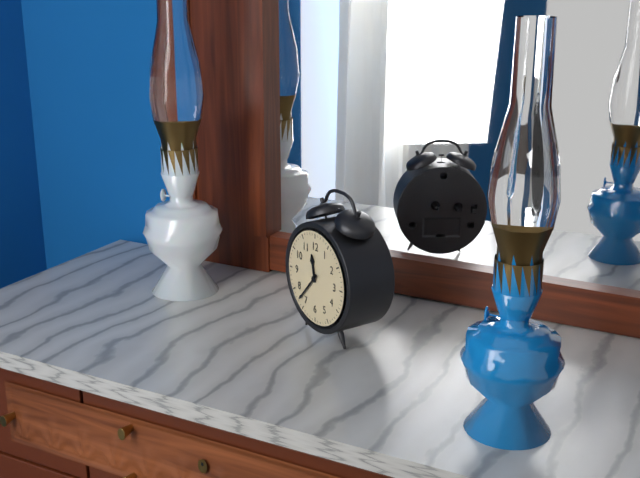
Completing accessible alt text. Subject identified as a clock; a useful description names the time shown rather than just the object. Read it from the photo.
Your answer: 11:37
